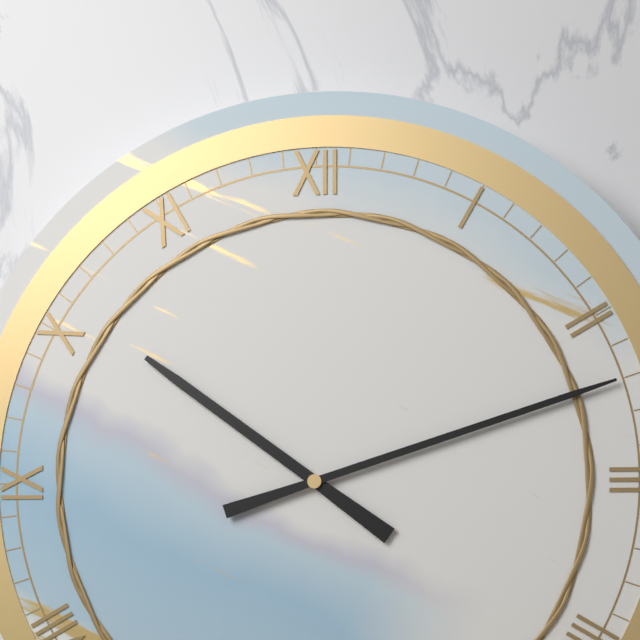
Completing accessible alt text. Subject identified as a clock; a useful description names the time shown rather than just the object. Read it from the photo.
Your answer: 10:12
